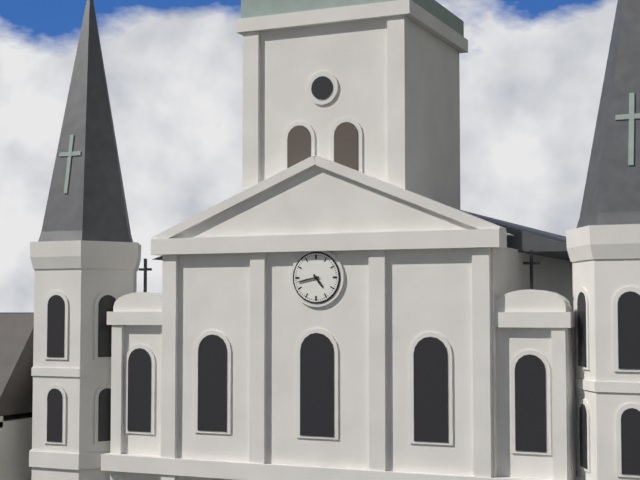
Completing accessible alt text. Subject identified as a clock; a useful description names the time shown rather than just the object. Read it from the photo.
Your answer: 4:43
